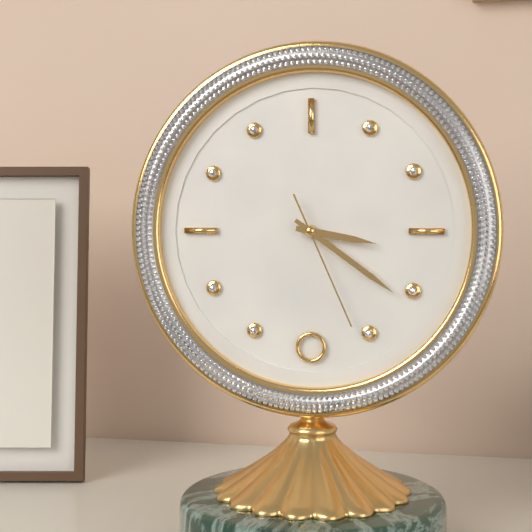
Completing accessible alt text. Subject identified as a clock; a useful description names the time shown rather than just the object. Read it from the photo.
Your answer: 3:21:26
